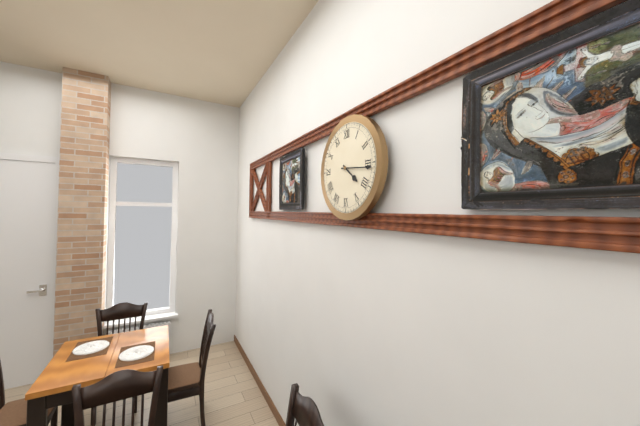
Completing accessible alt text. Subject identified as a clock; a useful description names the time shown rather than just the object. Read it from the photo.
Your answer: 4:16
